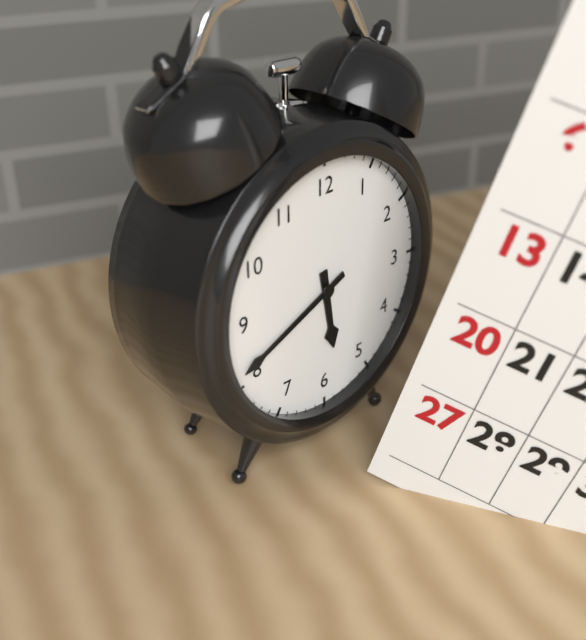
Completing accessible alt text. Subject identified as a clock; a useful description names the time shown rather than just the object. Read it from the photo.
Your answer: 5:41
